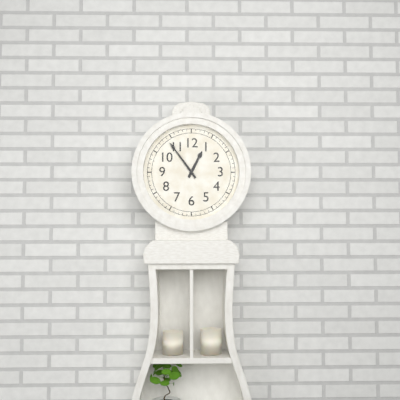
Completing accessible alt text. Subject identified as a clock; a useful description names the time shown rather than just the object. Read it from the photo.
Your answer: 12:54
